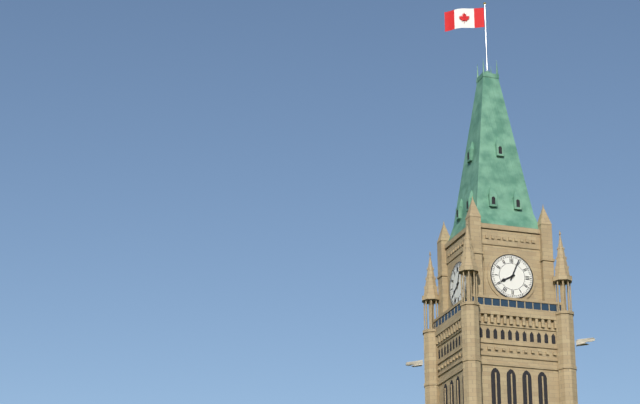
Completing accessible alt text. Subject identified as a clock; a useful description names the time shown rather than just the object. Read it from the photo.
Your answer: 8:04
